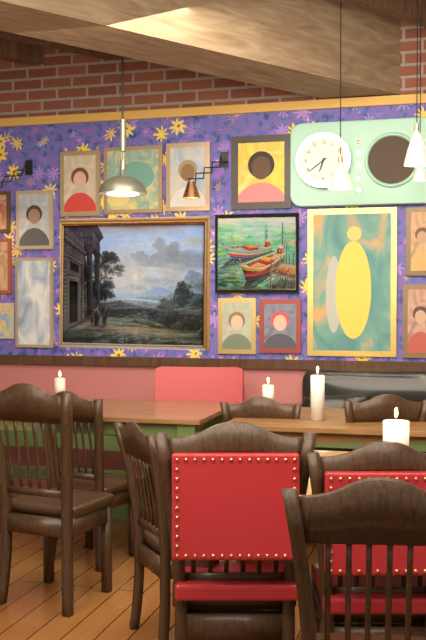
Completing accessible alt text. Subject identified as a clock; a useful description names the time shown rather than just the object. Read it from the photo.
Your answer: 6:39
